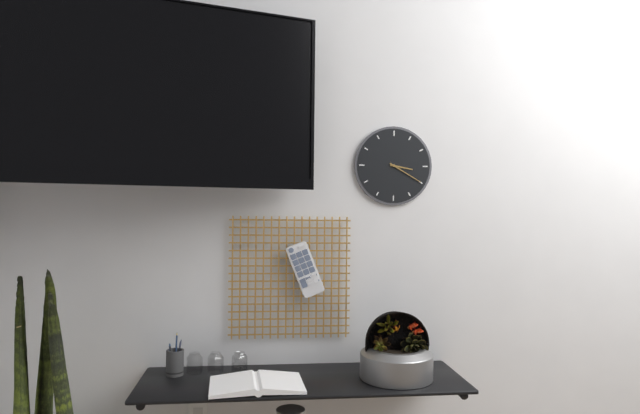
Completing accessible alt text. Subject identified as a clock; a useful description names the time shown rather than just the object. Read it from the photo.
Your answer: 3:20
